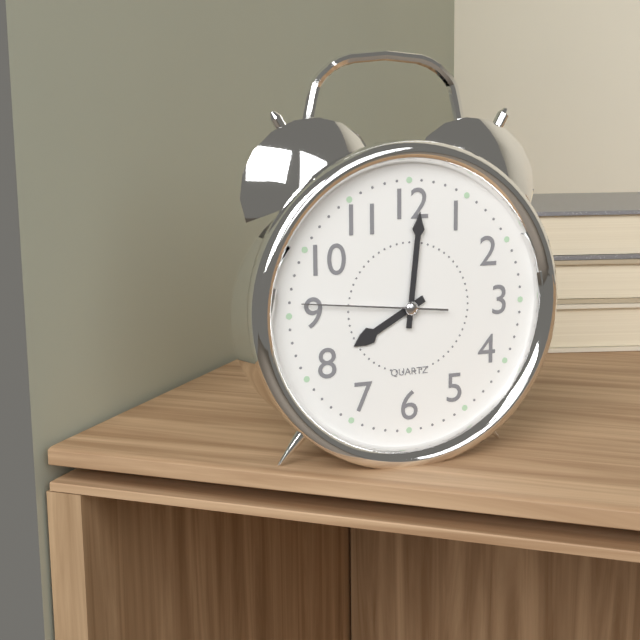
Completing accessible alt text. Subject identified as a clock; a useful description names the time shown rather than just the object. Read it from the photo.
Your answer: 8:01:46
